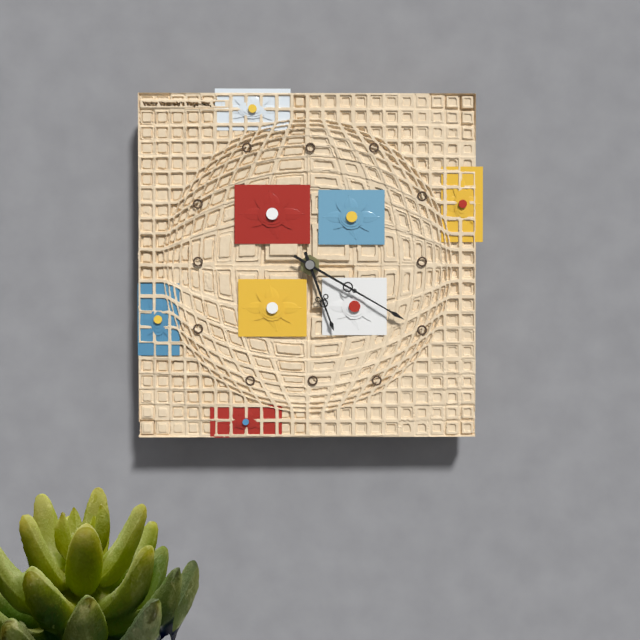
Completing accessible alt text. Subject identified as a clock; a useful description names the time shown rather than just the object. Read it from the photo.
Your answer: 5:20
